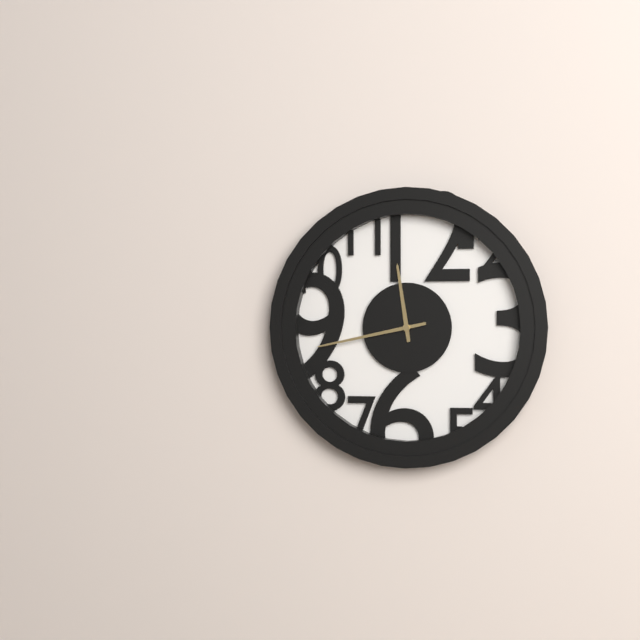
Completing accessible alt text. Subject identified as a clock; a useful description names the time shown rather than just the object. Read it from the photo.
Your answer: 11:43
